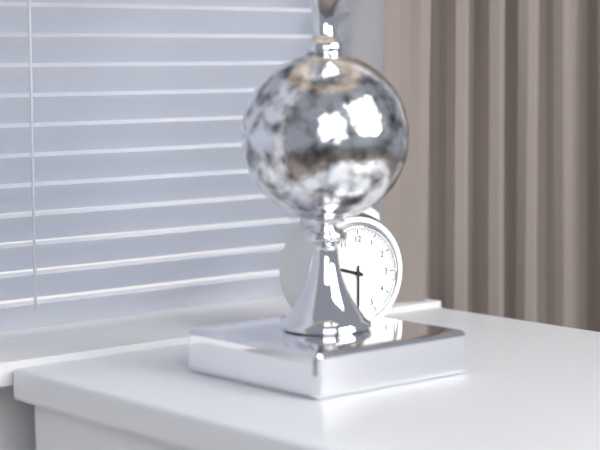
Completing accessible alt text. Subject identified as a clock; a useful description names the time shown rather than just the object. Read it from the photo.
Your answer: 9:30
